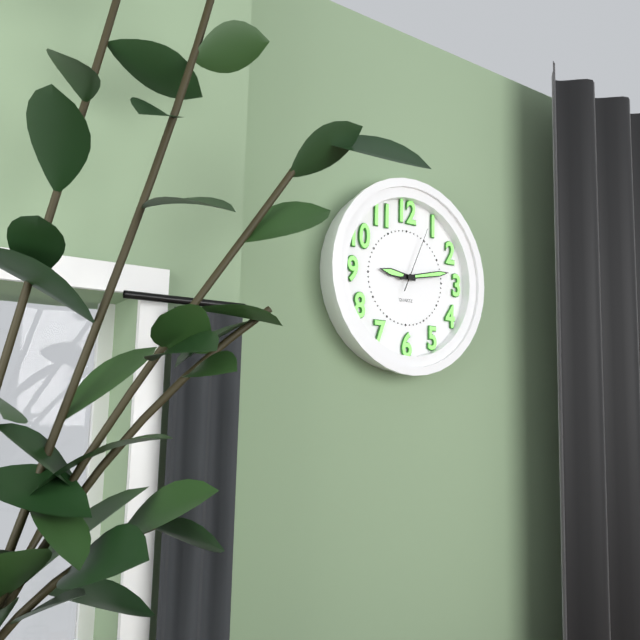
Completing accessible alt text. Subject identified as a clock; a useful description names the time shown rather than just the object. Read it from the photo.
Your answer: 9:13:04
